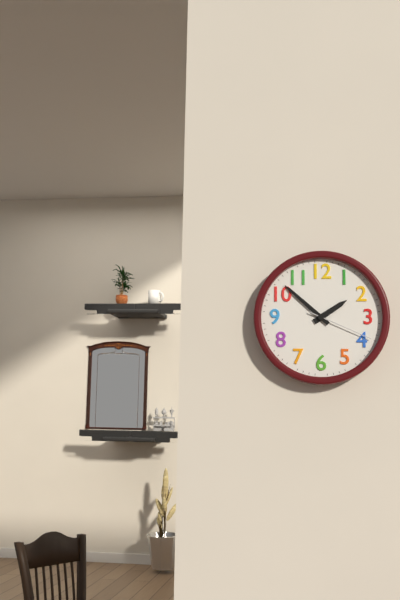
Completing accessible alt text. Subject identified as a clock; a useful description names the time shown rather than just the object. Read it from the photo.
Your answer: 1:52:19
